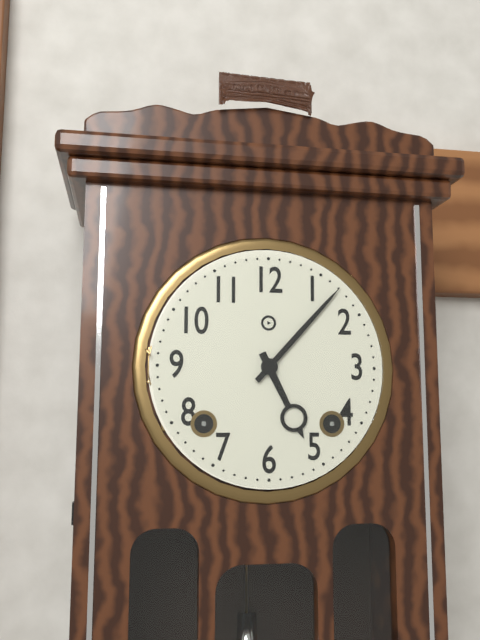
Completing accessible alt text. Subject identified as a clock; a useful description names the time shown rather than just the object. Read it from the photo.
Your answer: 5:07
